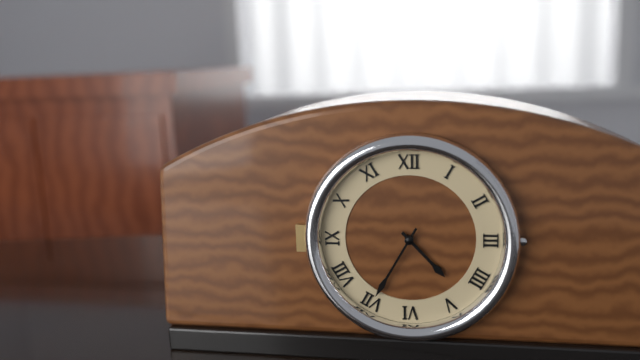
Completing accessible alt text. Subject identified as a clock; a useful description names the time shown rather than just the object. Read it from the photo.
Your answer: 4:35
